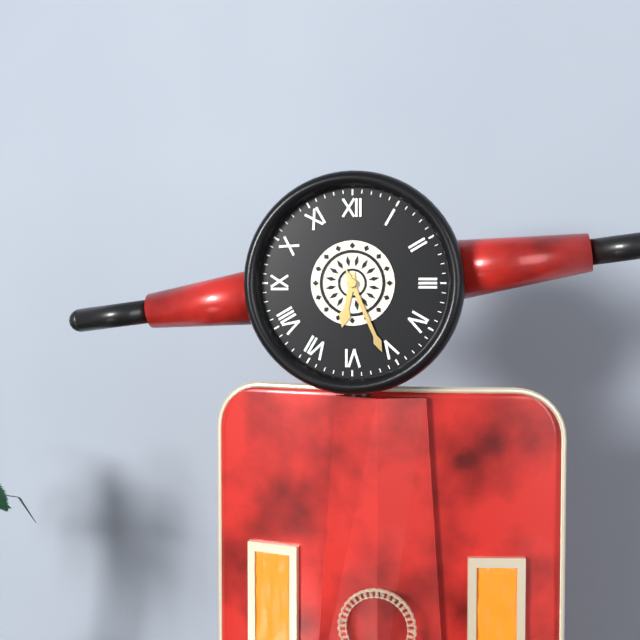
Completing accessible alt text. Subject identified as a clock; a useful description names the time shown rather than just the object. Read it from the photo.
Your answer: 6:26
